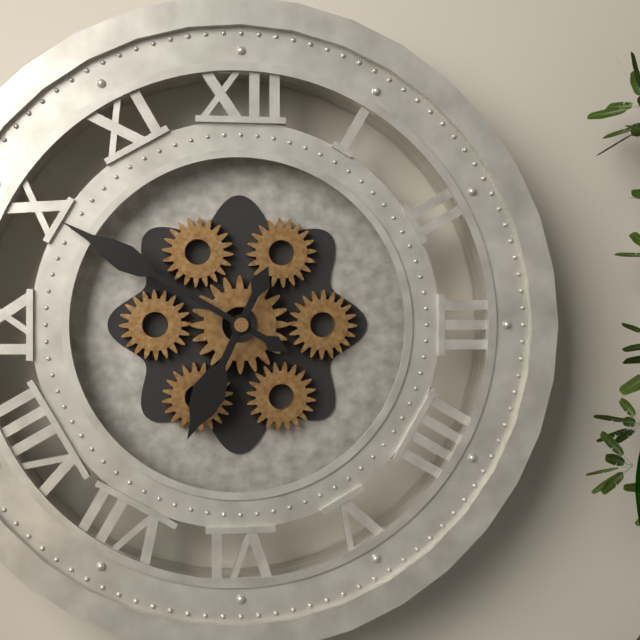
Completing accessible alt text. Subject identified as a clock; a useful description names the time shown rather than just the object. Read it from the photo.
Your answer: 6:50
